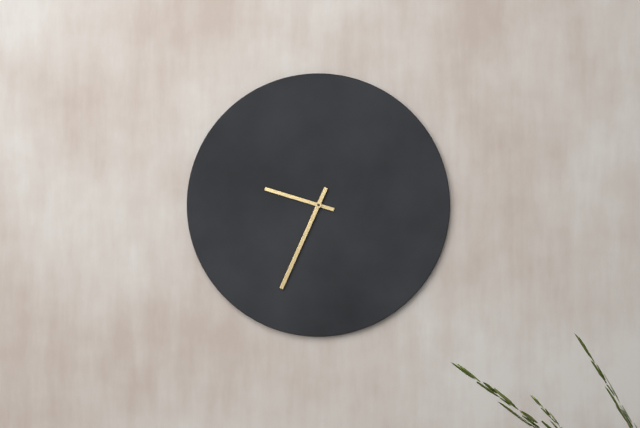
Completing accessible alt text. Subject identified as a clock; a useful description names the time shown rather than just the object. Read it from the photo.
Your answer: 9:34
